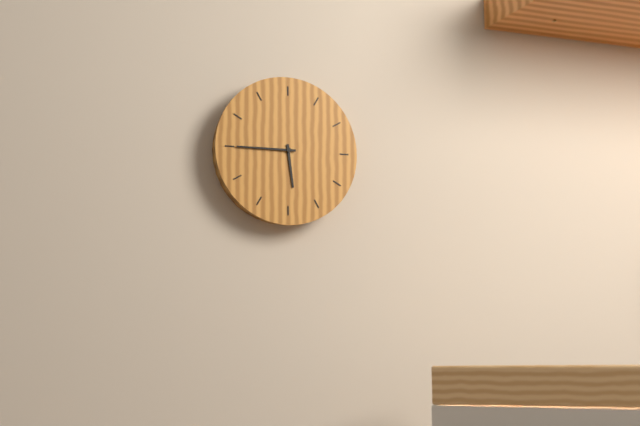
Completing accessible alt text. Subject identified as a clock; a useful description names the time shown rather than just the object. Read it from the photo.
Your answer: 5:45
